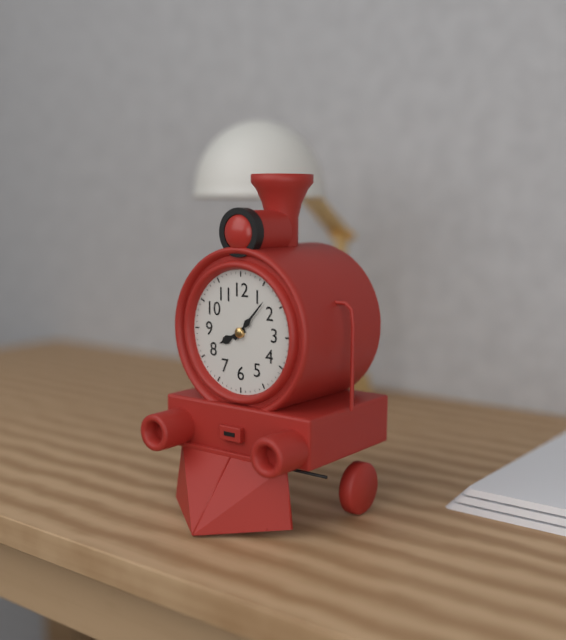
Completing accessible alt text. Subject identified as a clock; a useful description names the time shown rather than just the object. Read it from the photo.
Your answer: 8:07
